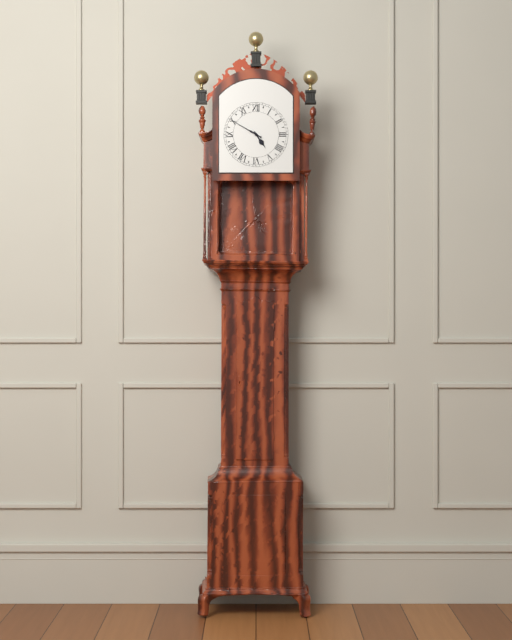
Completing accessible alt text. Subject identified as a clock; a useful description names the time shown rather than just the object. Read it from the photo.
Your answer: 4:50
